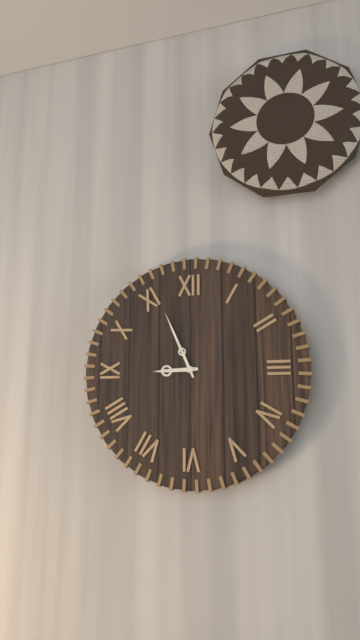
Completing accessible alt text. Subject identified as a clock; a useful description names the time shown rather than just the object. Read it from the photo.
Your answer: 8:56
